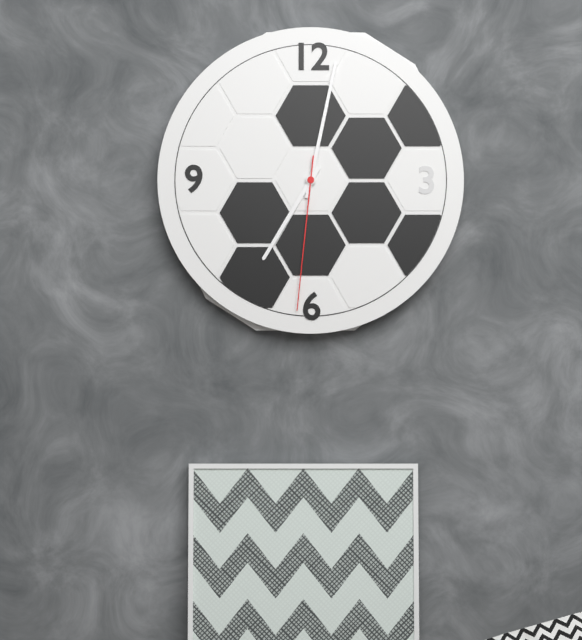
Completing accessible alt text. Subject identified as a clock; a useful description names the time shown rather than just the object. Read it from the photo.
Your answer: 7:02:31
